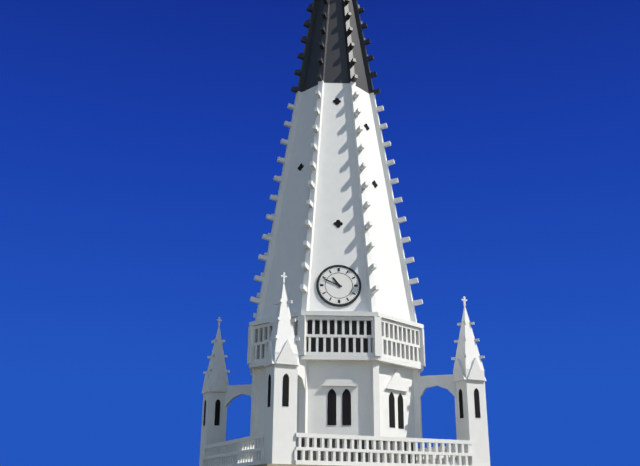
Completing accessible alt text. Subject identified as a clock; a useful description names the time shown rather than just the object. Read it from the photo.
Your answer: 10:49
